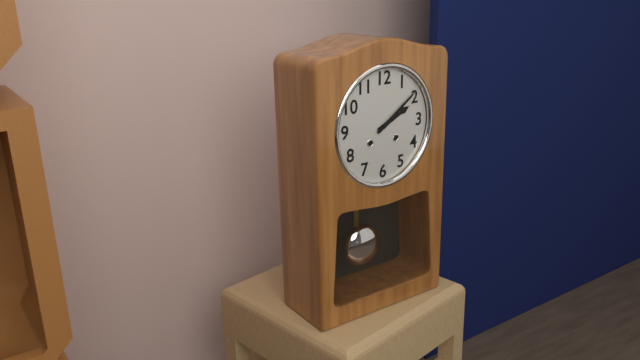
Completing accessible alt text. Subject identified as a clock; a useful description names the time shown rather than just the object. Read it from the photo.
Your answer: 2:09
